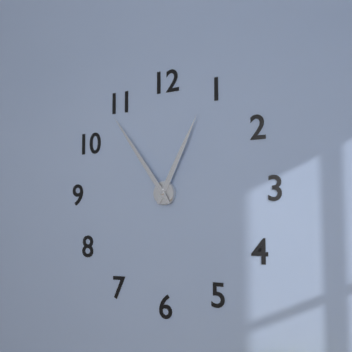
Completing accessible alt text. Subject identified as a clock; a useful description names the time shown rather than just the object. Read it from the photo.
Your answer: 12:54
